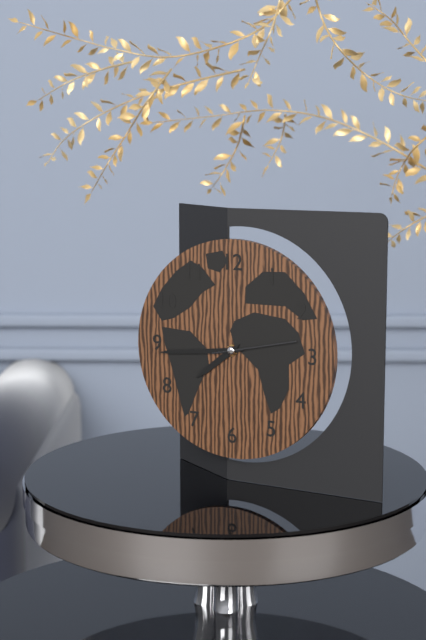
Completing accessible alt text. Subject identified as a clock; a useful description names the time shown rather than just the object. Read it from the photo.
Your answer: 7:44:13
